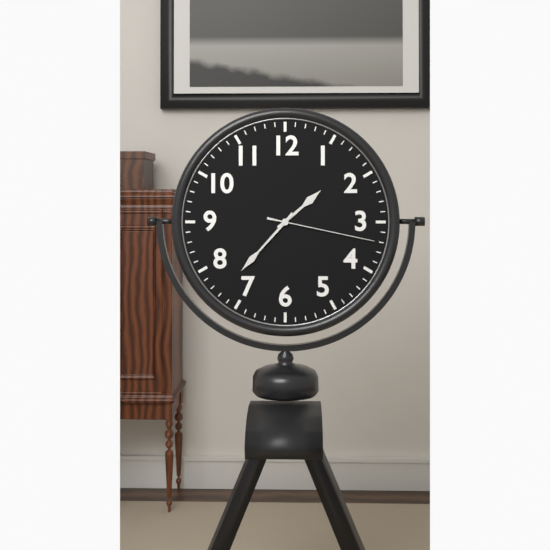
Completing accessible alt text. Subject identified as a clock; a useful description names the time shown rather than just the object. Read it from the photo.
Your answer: 1:37:17
